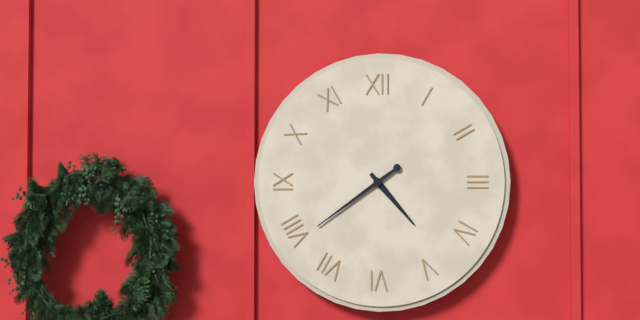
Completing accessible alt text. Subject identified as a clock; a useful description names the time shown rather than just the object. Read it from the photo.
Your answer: 4:39
